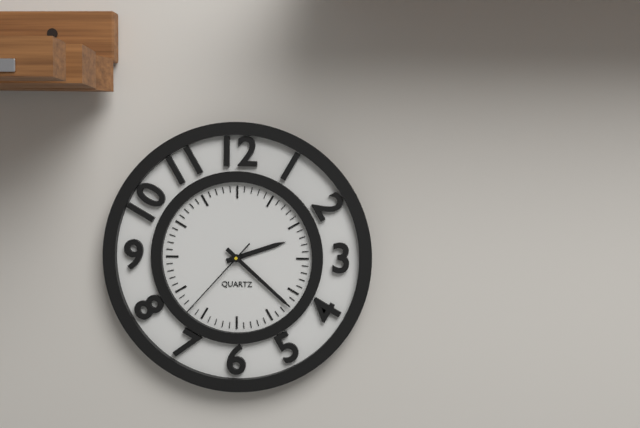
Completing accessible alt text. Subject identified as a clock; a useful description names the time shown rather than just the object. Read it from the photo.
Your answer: 2:22:37
